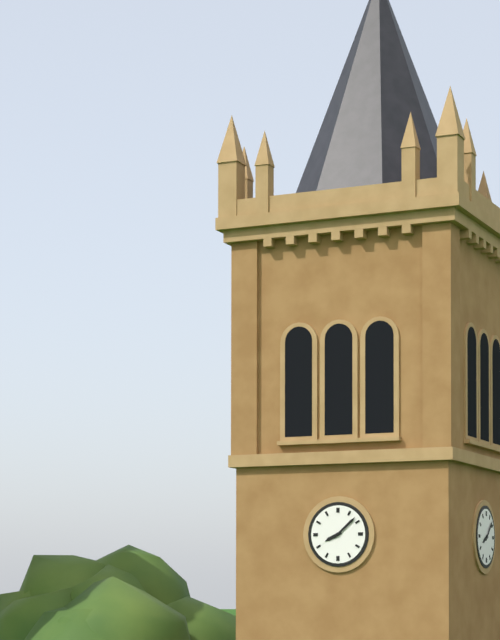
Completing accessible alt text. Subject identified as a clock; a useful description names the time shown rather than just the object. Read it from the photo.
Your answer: 8:08
